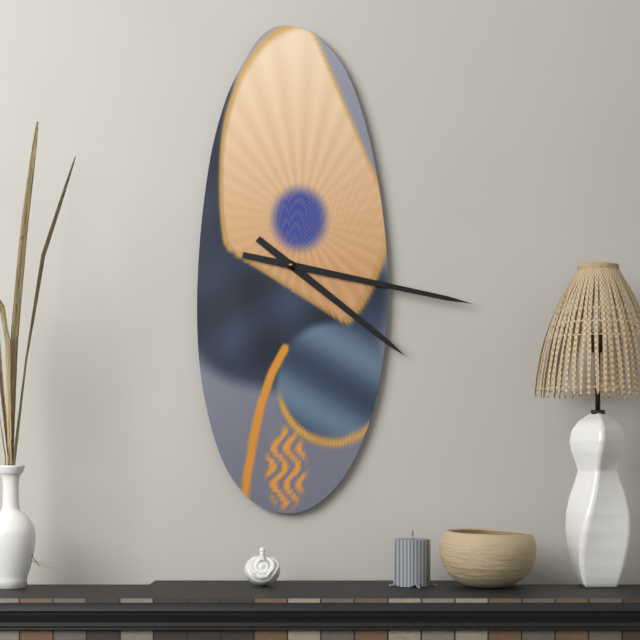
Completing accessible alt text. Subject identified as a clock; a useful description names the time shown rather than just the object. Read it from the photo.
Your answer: 4:17
